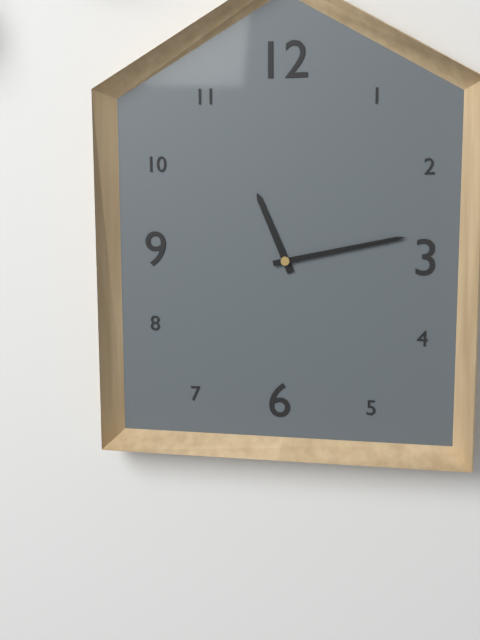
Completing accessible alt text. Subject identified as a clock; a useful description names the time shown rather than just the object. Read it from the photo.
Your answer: 11:13
